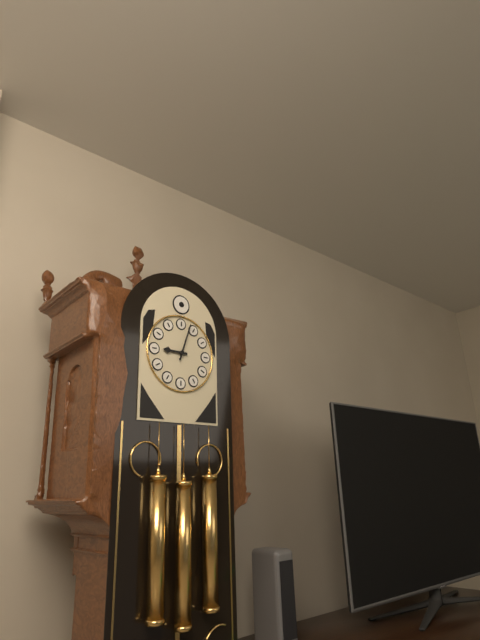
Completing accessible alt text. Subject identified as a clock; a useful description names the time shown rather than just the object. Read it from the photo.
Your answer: 9:03
